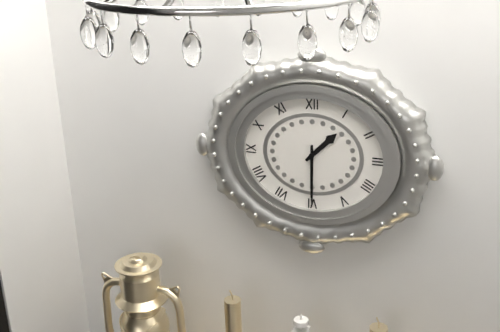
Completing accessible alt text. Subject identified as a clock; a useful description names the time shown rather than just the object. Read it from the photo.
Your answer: 1:30
